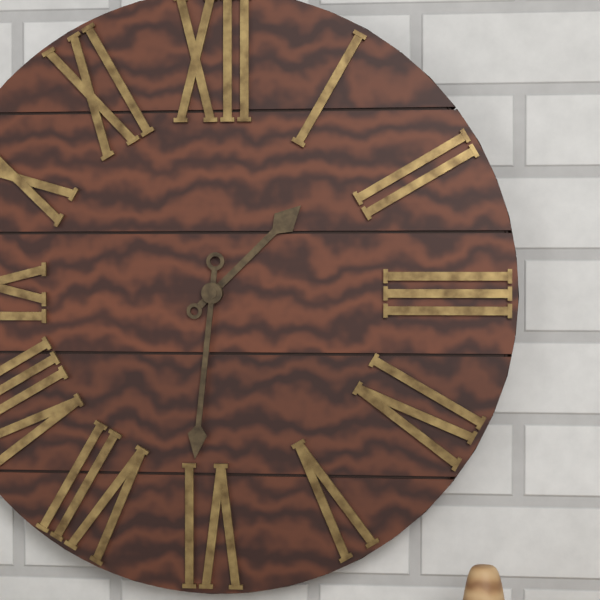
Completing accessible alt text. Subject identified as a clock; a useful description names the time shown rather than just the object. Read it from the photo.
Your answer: 1:31
